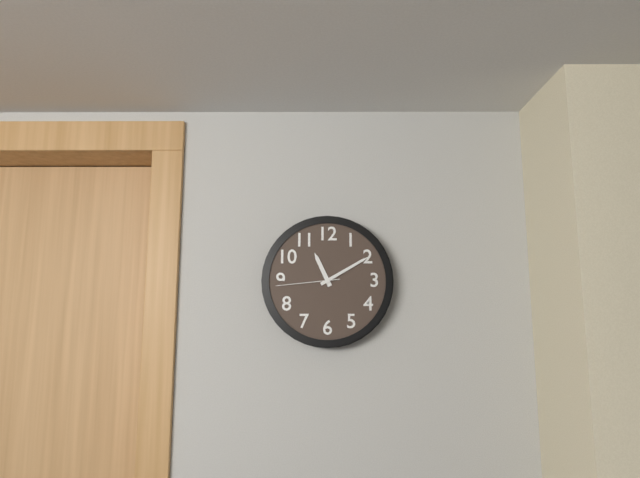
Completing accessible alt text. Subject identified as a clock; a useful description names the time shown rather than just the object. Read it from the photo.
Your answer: 11:10:44
